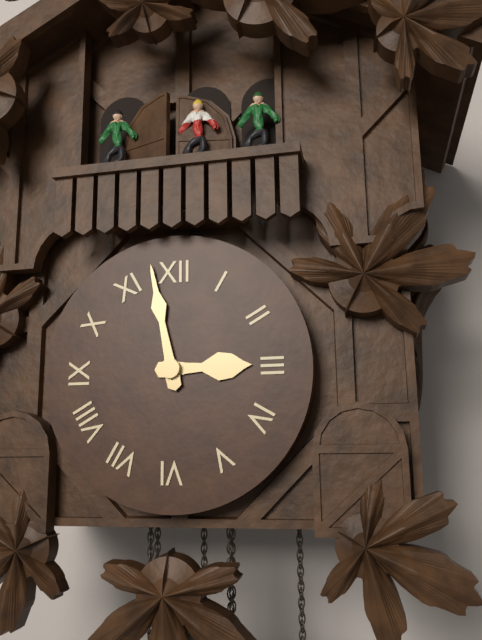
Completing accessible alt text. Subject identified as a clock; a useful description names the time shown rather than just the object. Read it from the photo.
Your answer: 2:58
